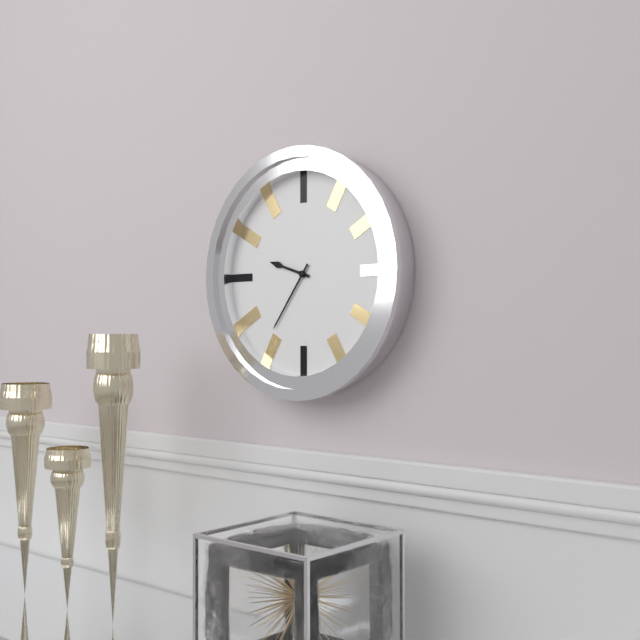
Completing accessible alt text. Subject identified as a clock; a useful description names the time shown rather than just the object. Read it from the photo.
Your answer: 9:36
